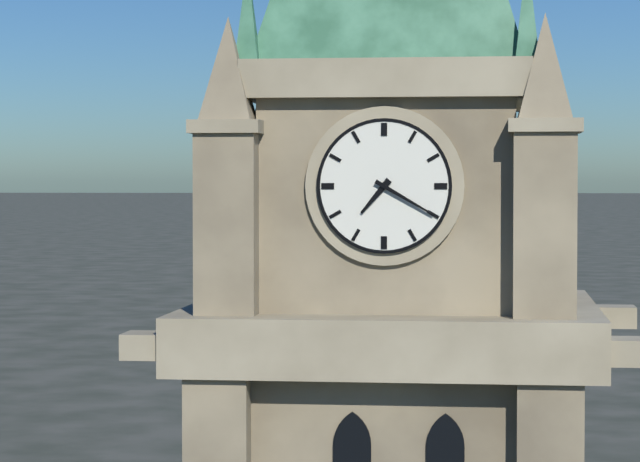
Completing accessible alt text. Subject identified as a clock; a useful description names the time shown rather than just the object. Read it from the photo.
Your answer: 7:20
